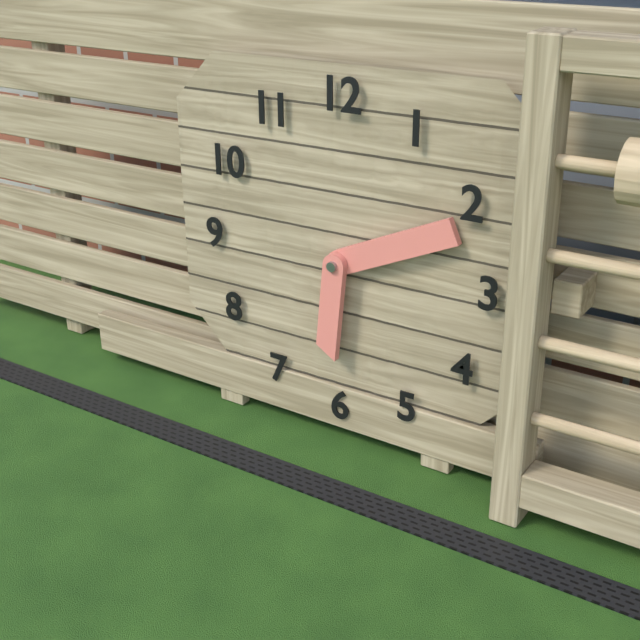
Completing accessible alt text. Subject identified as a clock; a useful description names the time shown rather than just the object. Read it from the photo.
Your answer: 6:11
